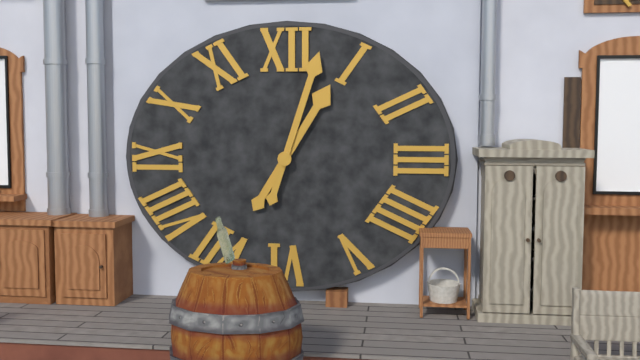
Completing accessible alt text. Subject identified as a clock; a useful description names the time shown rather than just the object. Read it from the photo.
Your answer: 1:03
